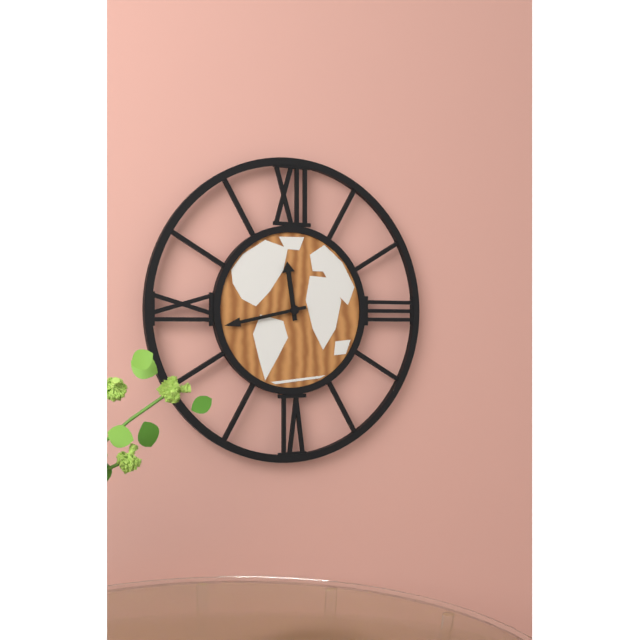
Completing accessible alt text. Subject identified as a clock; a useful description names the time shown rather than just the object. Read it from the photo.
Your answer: 11:43
